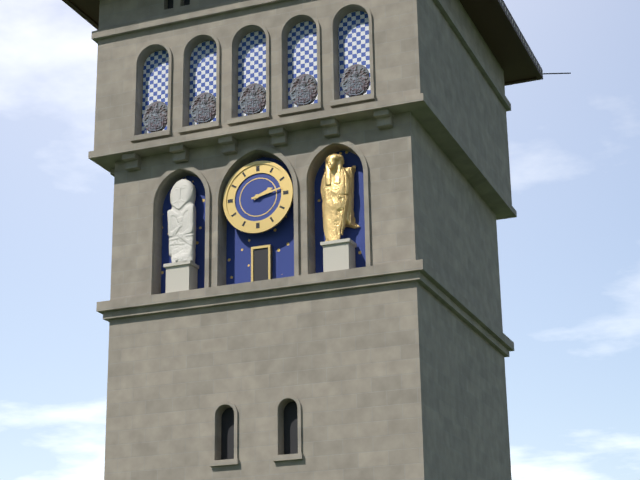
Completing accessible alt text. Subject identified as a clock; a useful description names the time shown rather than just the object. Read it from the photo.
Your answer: 2:13
